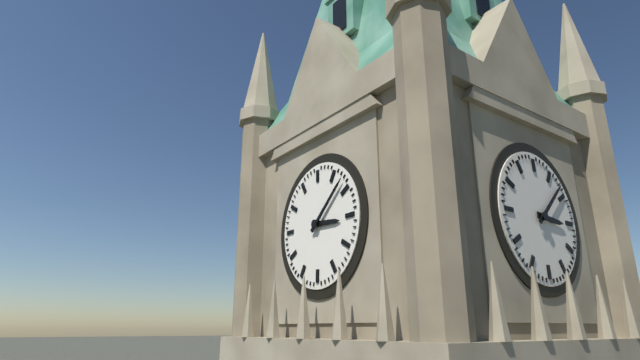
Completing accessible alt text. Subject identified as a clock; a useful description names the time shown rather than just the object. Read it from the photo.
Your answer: 3:08
